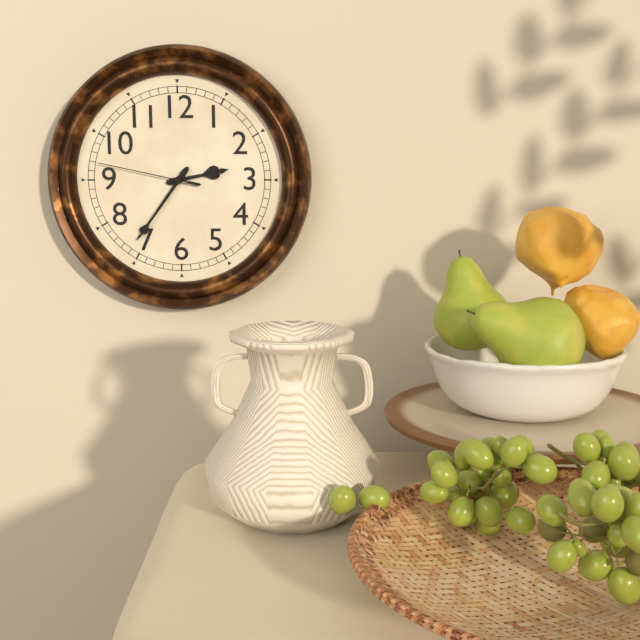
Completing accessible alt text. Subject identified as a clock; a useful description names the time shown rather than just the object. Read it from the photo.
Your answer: 2:36:47
